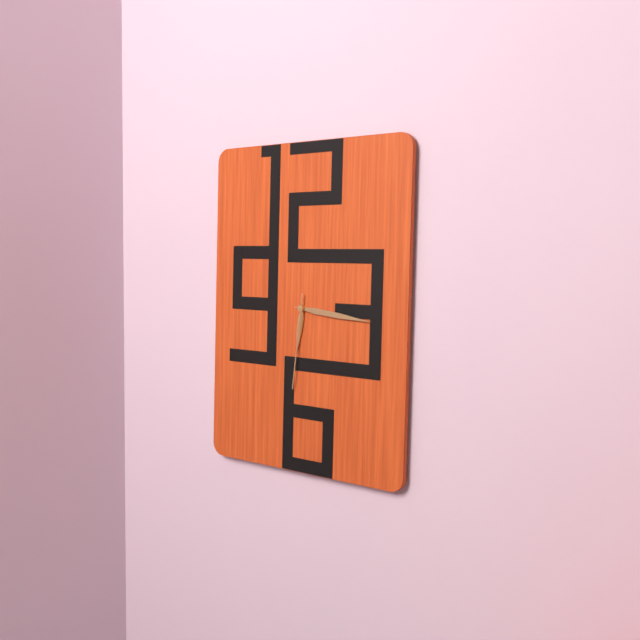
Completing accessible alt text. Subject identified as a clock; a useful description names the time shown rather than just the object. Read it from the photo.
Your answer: 6:16:31
